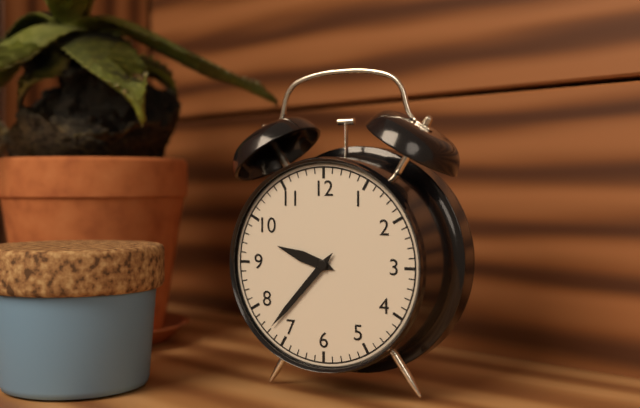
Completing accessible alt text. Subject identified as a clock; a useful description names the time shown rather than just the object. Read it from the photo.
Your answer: 9:37
